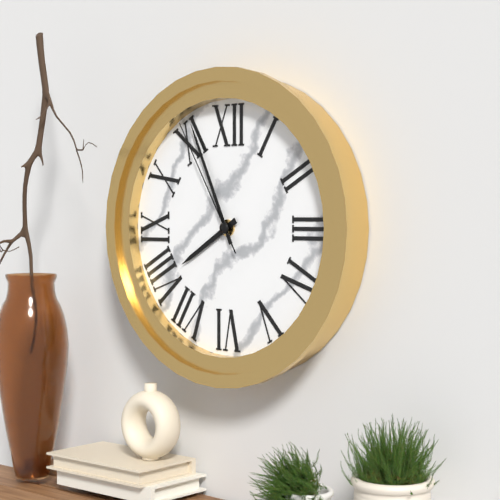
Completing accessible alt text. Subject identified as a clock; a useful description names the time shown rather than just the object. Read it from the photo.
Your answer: 7:56:55
